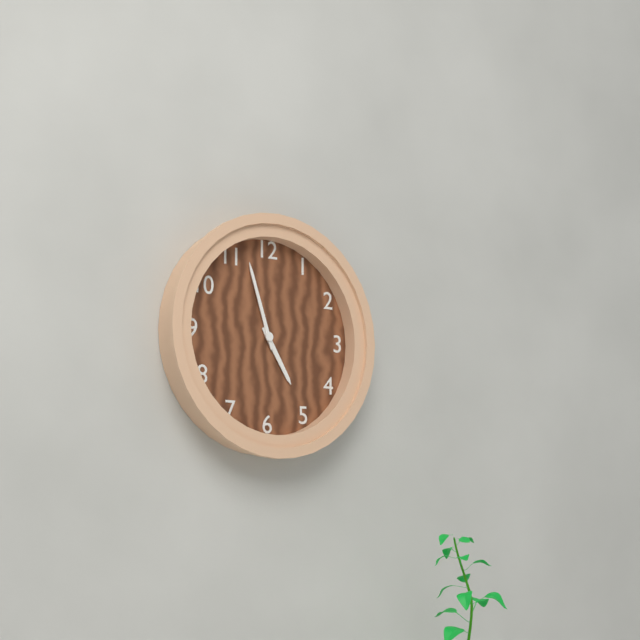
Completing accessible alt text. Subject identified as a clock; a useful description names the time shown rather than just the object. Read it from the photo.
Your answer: 4:57
